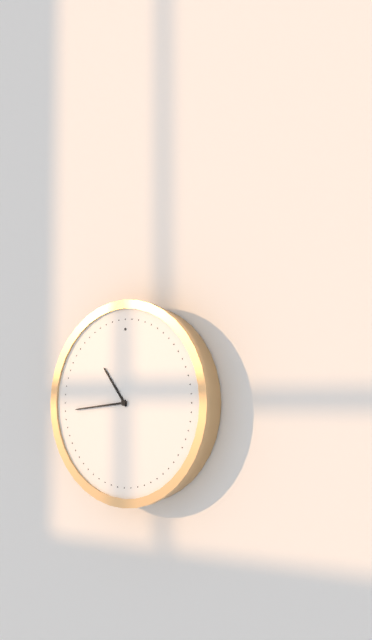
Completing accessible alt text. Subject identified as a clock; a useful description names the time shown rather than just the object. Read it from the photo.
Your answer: 10:44
